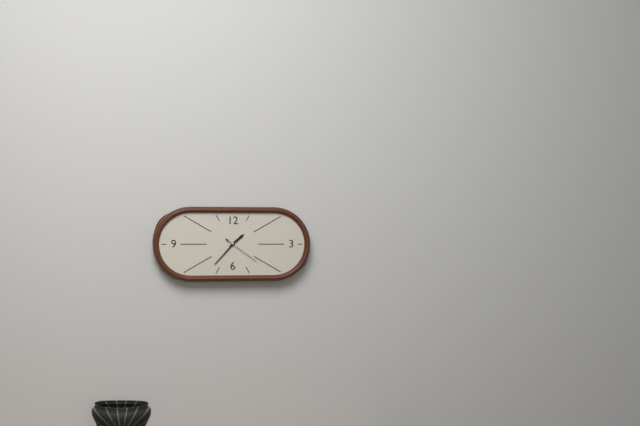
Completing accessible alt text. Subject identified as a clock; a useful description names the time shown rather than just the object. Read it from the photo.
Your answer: 1:37
